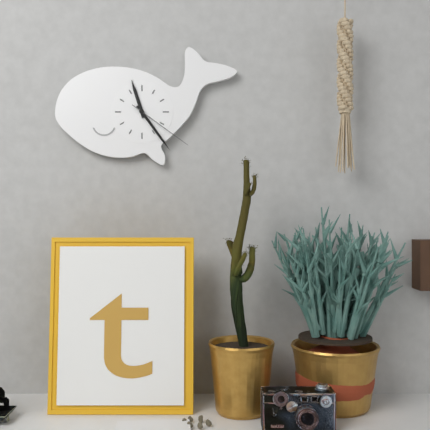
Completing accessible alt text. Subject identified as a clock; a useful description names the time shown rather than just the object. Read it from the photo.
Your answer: 11:24:21
